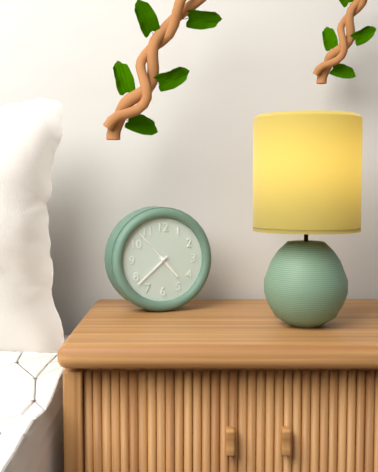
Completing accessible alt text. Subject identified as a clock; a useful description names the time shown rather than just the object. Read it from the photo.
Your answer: 4:38
